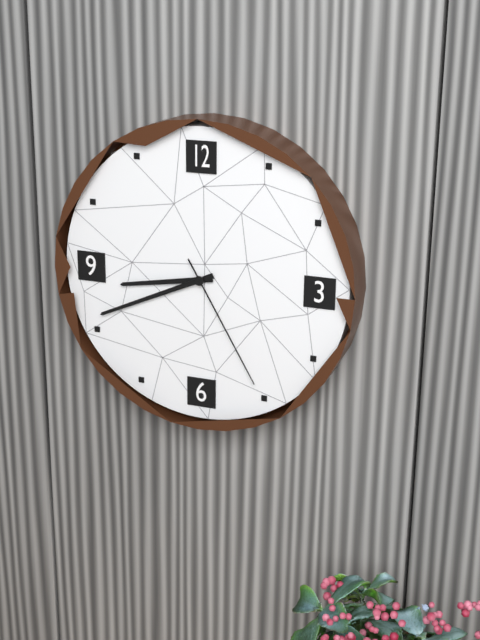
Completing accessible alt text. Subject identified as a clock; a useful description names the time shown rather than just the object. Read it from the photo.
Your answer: 8:41:25
